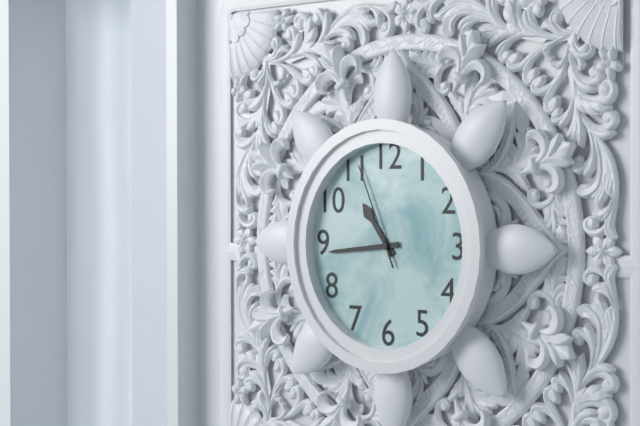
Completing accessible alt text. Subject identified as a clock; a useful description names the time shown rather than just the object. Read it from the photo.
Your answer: 10:44:56
